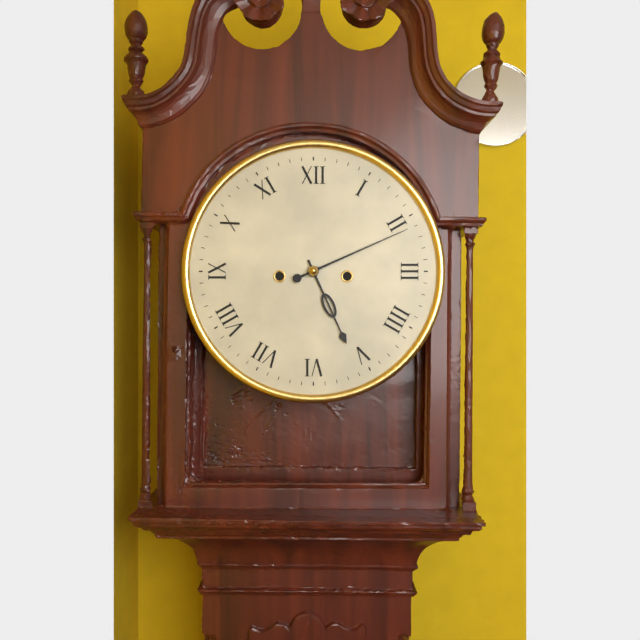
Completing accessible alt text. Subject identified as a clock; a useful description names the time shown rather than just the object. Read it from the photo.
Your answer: 5:11
